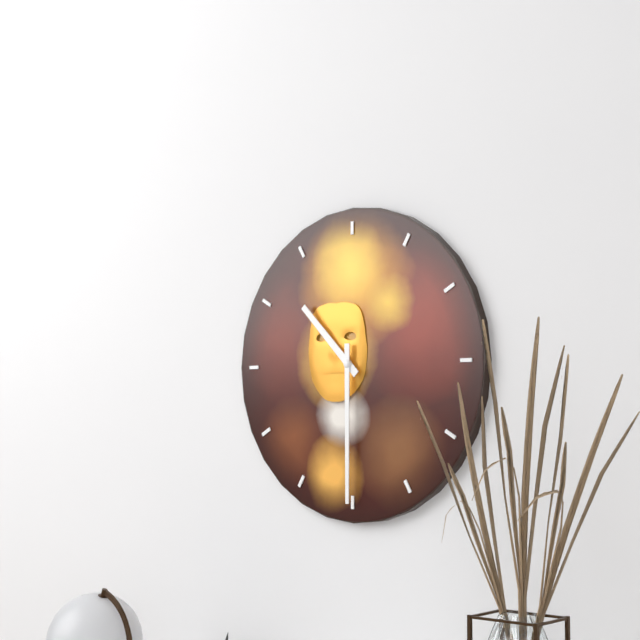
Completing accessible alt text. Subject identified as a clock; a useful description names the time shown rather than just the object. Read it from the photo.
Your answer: 10:30
